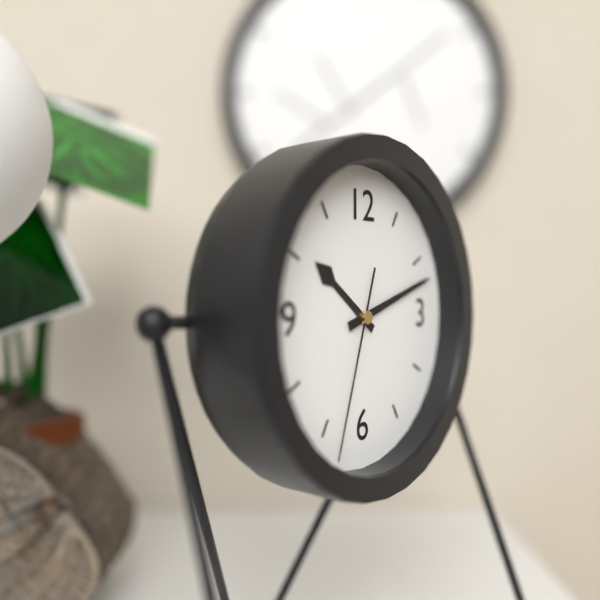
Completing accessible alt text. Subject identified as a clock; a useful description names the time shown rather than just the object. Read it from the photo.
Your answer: 10:12:33
